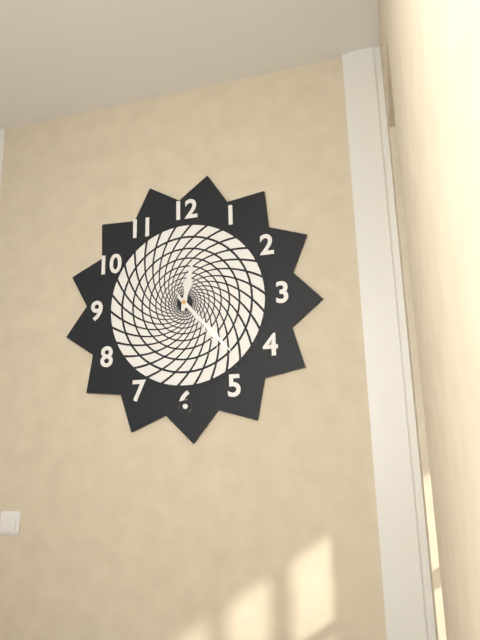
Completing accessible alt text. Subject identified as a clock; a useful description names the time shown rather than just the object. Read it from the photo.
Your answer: 12:23:24
